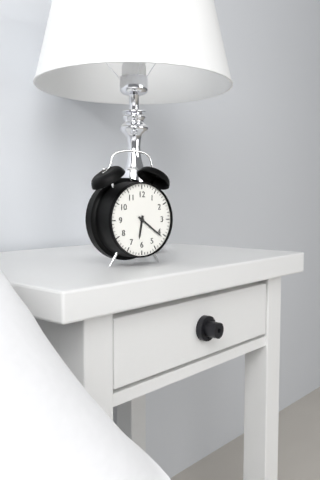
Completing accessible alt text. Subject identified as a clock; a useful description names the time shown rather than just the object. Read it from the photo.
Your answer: 6:21
